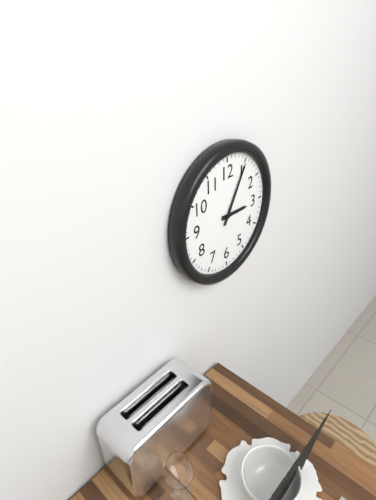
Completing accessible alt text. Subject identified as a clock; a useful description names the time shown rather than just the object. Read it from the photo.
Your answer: 3:05
